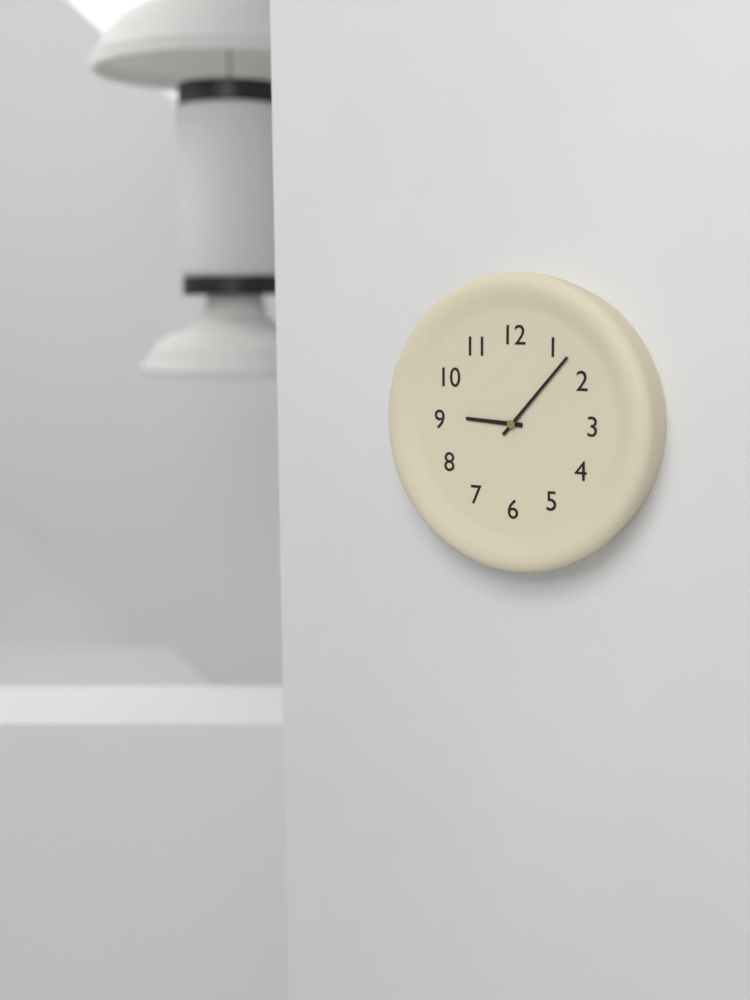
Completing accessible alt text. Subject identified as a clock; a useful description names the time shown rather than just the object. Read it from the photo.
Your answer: 9:07
